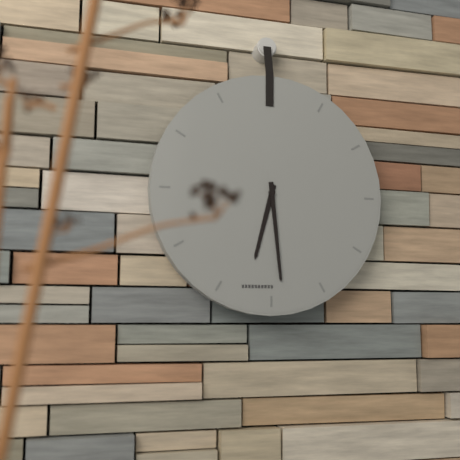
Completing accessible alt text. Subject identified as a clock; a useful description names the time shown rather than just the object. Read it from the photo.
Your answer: 6:29
